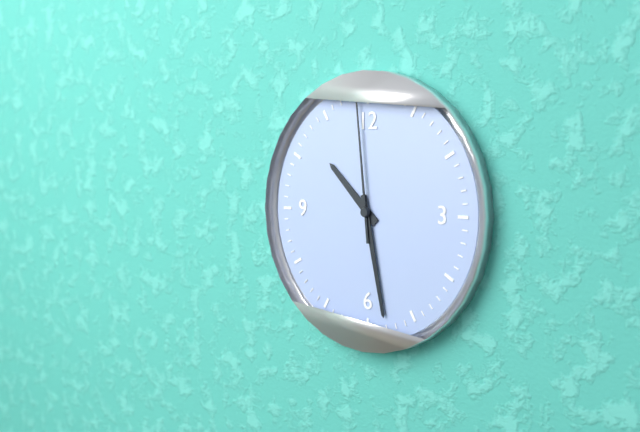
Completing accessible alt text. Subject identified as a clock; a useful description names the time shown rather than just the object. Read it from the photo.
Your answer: 10:28:59
